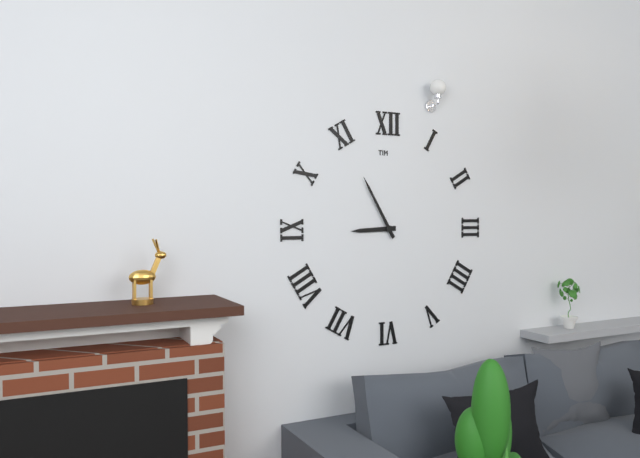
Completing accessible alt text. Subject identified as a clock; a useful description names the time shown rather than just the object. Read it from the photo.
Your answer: 8:55
